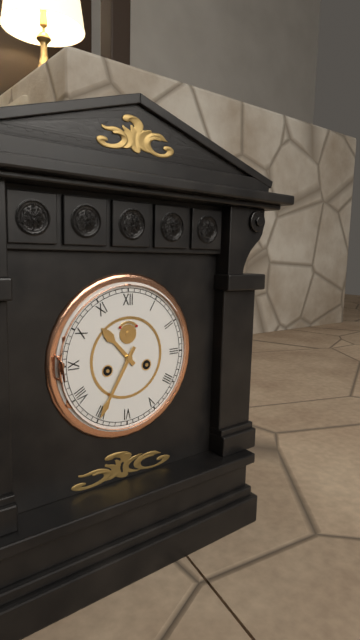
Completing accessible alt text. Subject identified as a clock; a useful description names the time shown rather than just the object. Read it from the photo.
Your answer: 10:35
